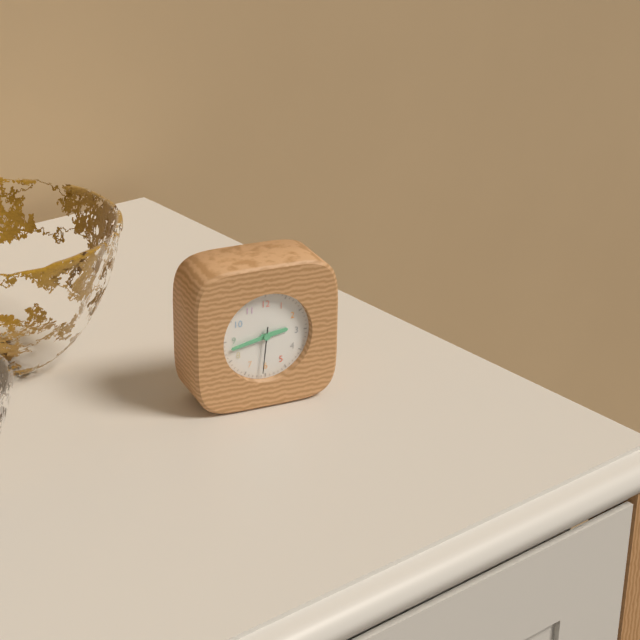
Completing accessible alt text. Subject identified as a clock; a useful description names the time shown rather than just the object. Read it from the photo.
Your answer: 2:43
